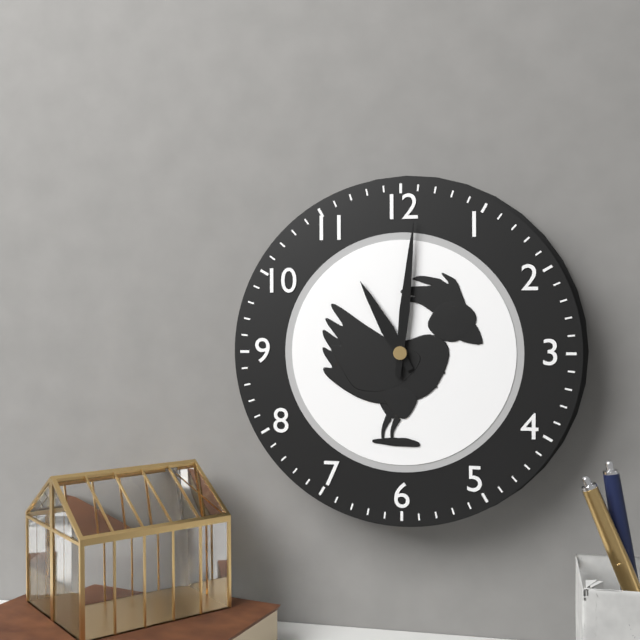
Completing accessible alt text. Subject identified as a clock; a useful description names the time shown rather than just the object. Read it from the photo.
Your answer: 11:01
